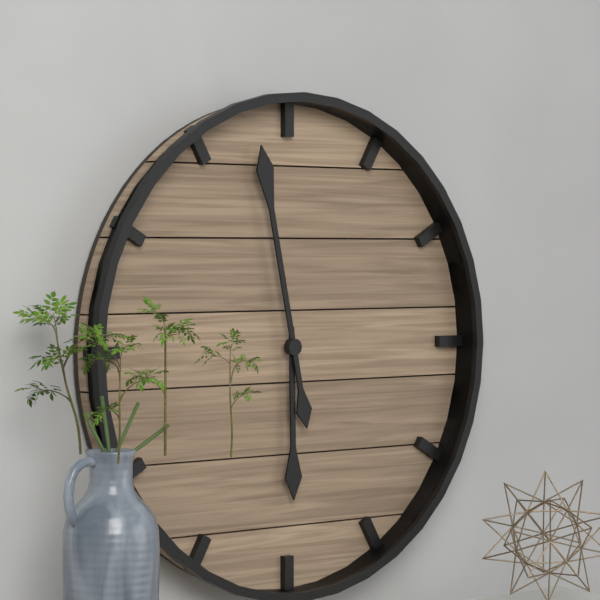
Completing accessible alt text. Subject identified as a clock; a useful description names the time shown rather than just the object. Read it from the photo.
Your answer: 5:58
